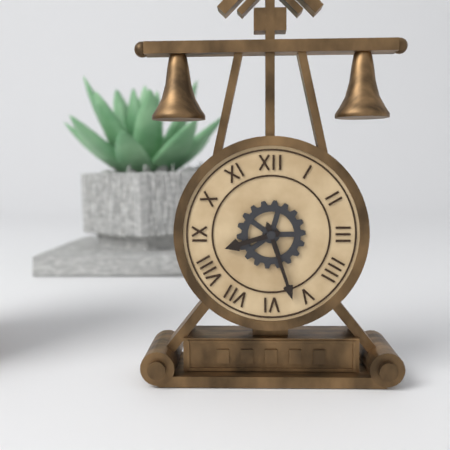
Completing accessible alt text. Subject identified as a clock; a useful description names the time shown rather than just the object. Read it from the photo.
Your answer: 8:27
